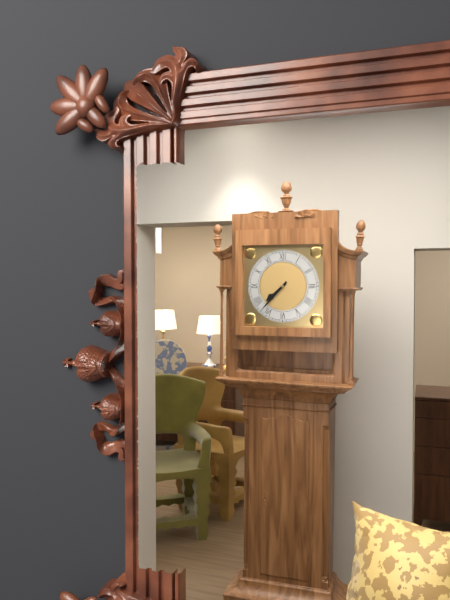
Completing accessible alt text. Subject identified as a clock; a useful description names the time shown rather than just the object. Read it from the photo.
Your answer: 7:37
